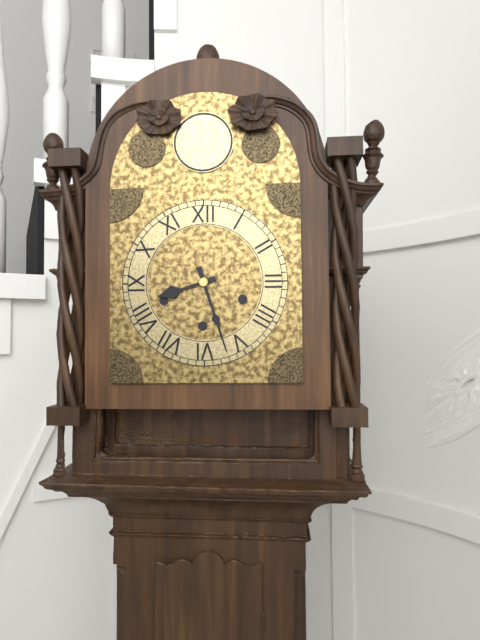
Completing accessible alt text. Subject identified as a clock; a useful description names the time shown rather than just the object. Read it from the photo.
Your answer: 8:27
